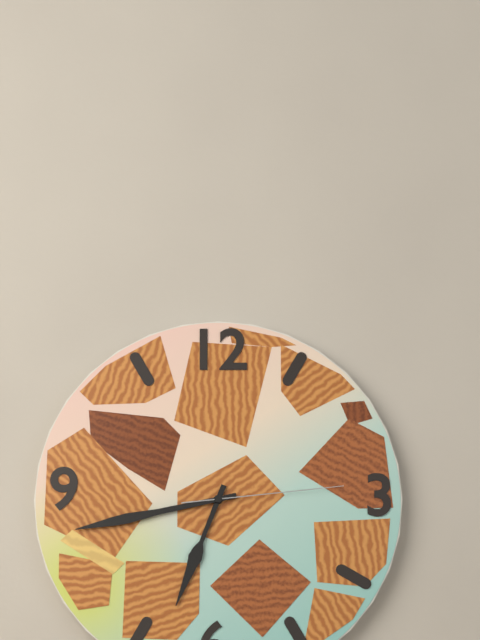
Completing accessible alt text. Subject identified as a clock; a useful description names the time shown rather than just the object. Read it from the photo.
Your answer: 6:43:14
